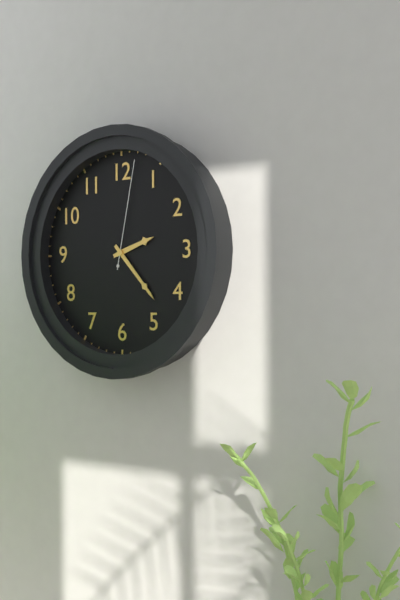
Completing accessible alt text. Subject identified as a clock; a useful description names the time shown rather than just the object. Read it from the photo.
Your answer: 2:23:02
